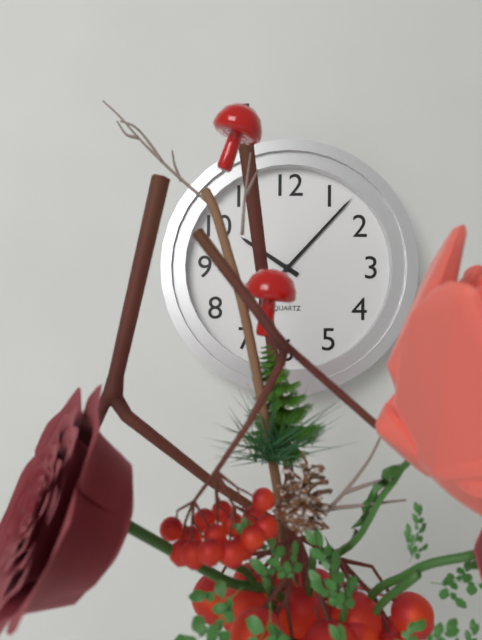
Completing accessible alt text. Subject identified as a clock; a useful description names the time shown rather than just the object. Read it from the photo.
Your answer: 10:07
